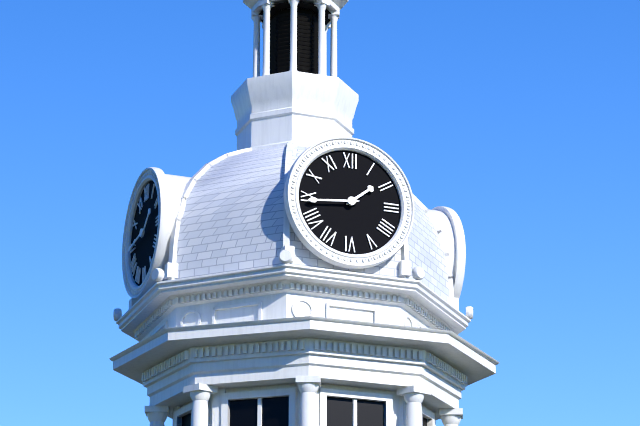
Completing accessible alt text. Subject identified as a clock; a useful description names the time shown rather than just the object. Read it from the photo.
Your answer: 1:44
